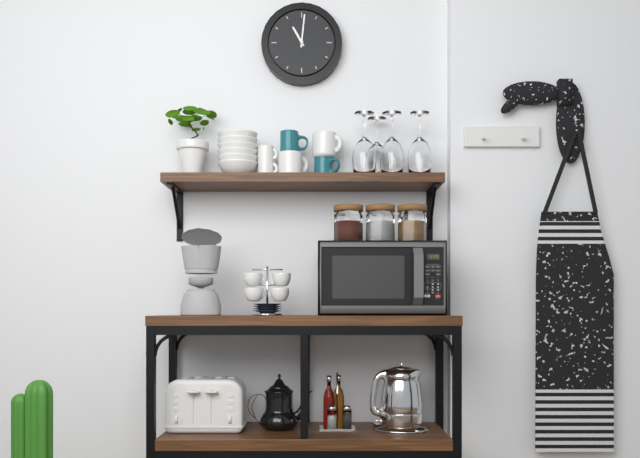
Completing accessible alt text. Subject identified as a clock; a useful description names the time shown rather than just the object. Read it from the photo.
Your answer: 11:01
